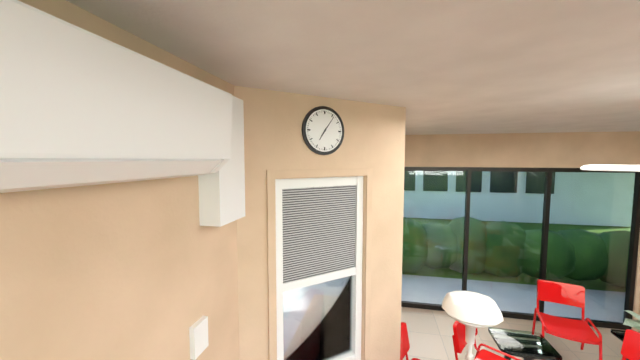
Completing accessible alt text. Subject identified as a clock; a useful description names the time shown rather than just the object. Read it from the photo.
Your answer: 7:06
